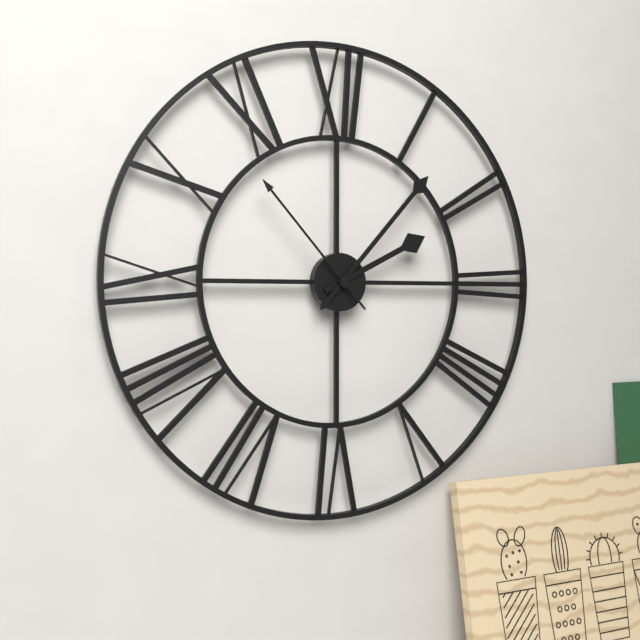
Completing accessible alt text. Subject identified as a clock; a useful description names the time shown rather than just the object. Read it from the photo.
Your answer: 2:07:53
